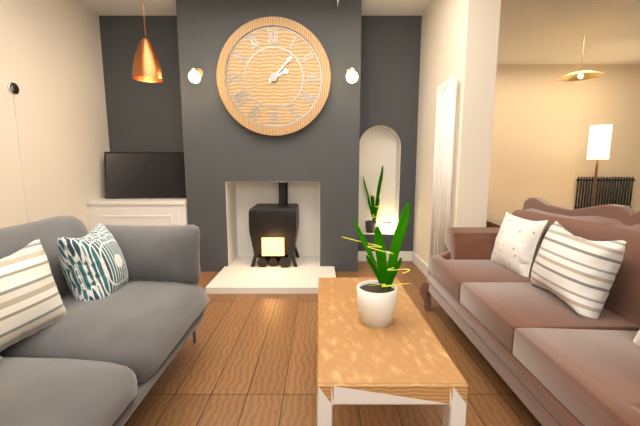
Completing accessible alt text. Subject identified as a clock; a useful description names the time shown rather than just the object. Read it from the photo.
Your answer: 2:07
